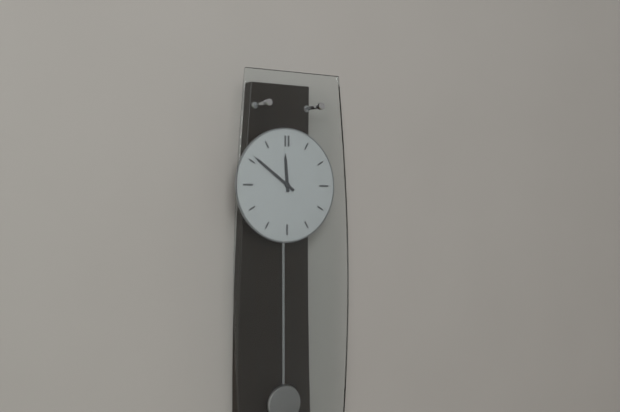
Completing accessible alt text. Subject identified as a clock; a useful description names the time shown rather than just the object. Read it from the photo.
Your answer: 11:51
